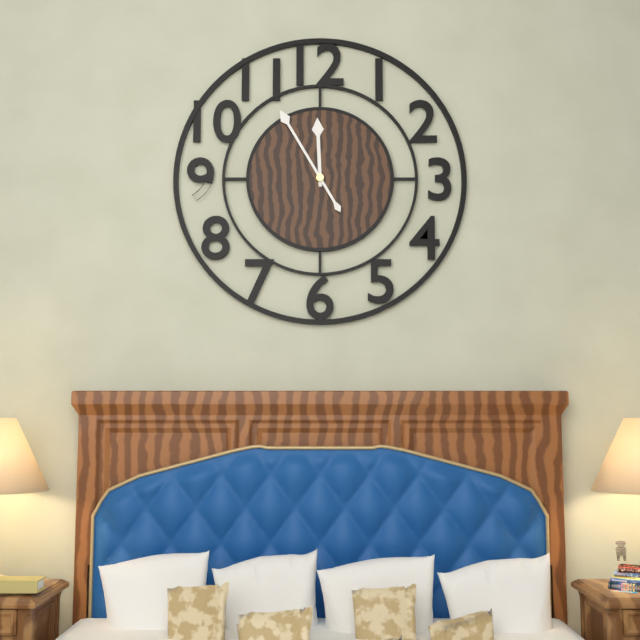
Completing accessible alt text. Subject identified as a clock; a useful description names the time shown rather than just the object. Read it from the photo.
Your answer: 11:55
